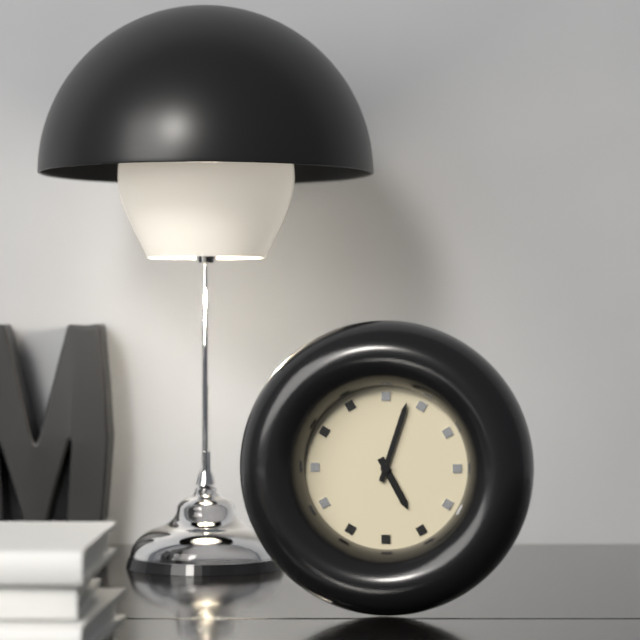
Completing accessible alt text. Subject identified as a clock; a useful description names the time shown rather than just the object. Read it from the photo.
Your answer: 5:03
